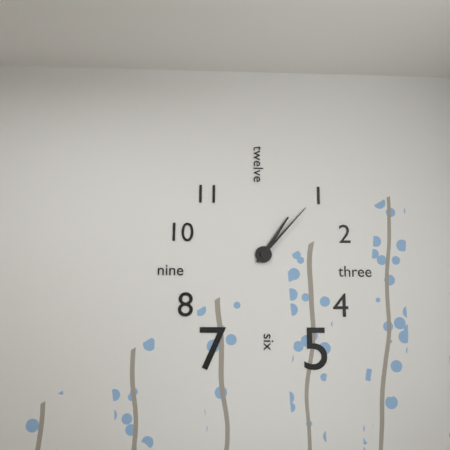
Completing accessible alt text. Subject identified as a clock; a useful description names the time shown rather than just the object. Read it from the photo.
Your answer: 1:07
